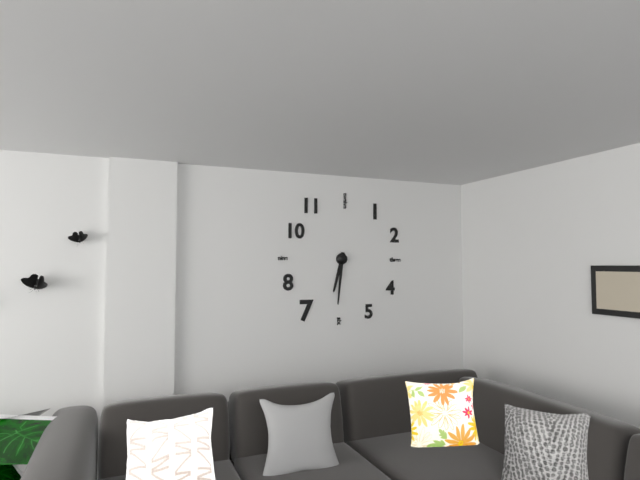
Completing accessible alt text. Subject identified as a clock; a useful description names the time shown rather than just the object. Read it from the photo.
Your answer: 6:31
